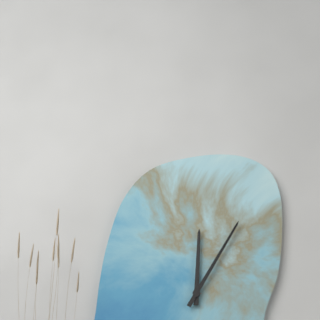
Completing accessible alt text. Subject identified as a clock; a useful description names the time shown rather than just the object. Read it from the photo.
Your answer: 12:05
